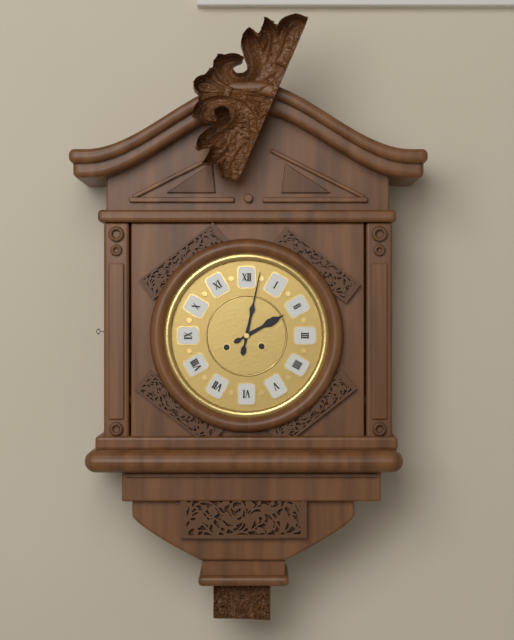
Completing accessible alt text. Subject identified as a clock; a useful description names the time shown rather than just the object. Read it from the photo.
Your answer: 2:02
